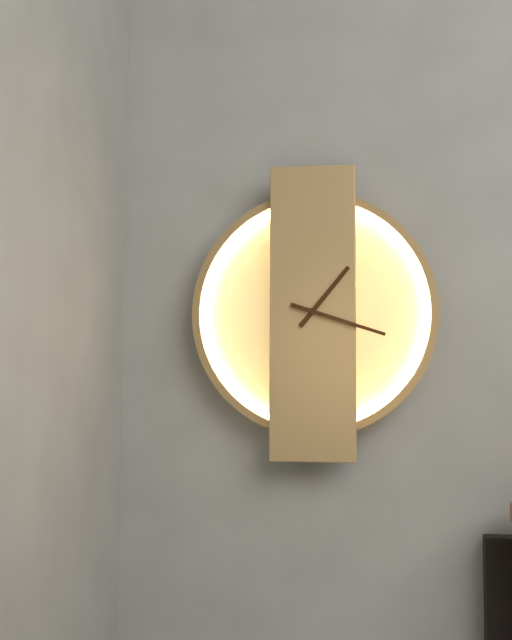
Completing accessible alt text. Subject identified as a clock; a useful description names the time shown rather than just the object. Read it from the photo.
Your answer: 1:18
